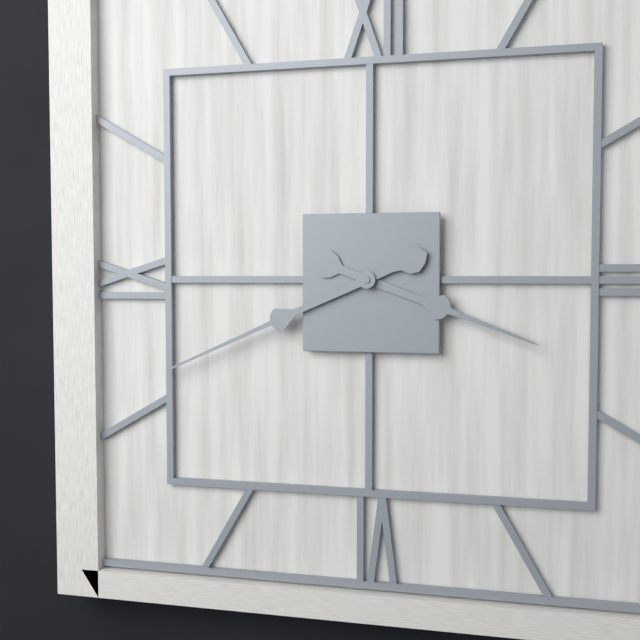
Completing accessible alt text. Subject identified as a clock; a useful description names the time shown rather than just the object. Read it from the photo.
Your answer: 3:41
